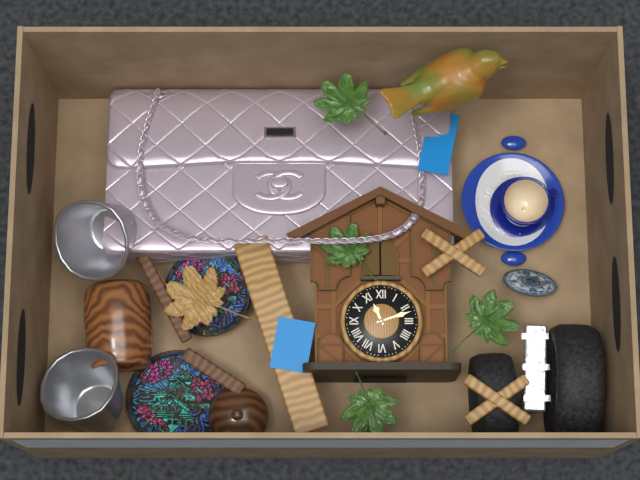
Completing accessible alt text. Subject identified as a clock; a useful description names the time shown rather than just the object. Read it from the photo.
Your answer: 11:12
